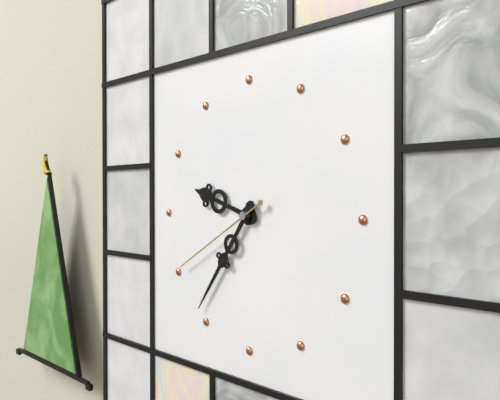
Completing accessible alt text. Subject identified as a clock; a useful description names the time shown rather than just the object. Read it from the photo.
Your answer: 9:36:40
